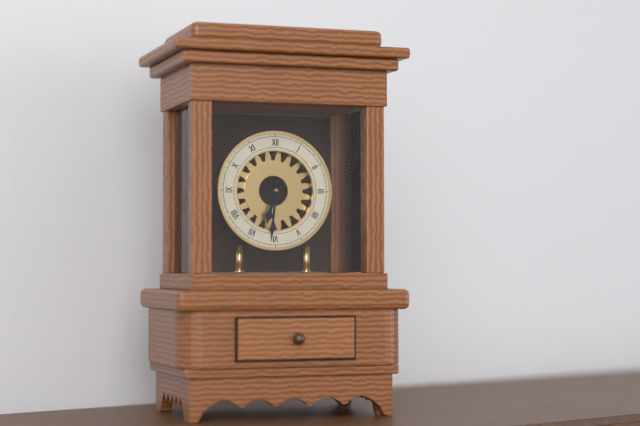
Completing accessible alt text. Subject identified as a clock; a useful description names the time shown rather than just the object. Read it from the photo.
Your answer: 6:31
